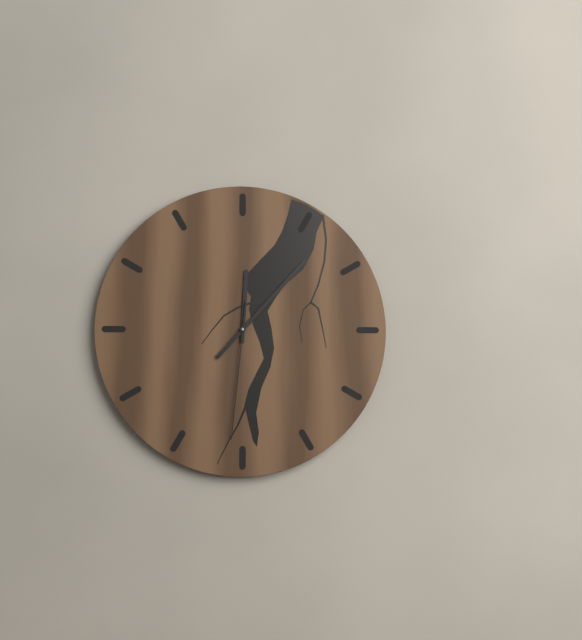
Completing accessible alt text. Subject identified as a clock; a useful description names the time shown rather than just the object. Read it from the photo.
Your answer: 12:07:31
